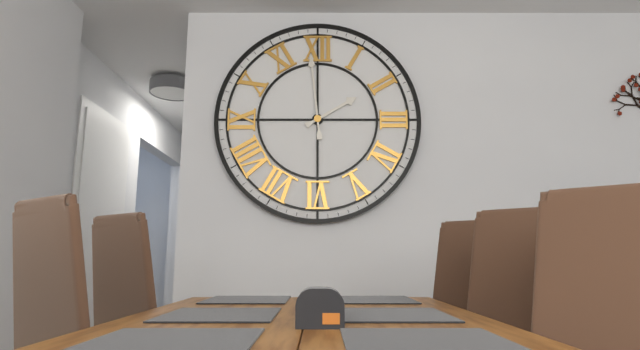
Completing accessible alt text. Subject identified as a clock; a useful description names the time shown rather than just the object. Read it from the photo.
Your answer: 1:59
